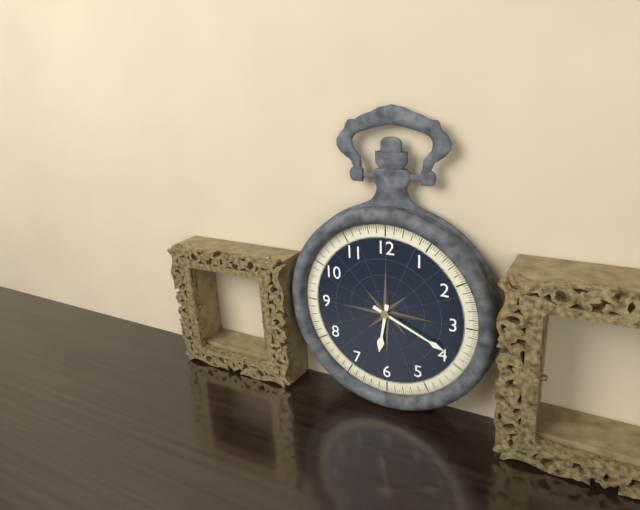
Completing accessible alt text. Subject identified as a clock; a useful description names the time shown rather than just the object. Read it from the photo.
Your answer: 6:19
